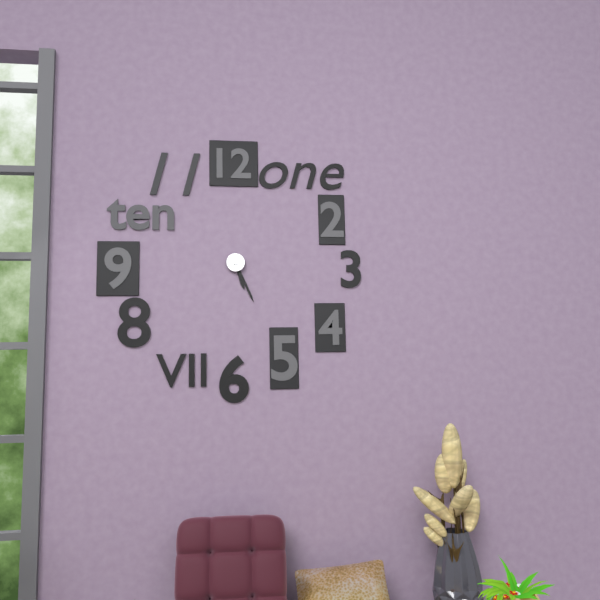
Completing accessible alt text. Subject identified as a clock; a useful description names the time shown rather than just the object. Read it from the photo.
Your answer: 5:26
